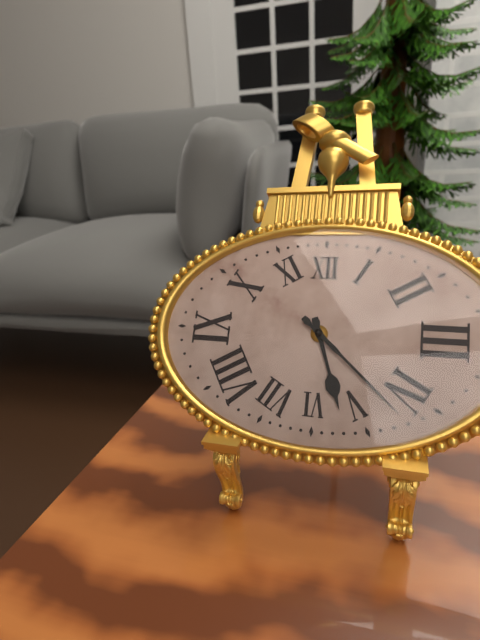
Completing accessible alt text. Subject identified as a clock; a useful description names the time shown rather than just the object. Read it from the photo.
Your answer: 5:22
